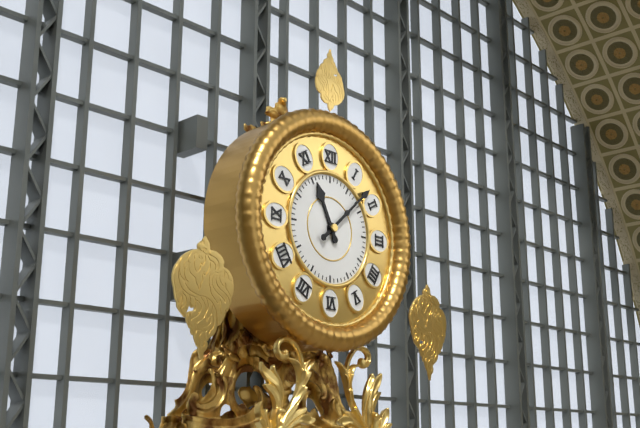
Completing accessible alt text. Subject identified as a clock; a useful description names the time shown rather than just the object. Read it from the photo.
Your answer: 11:08
